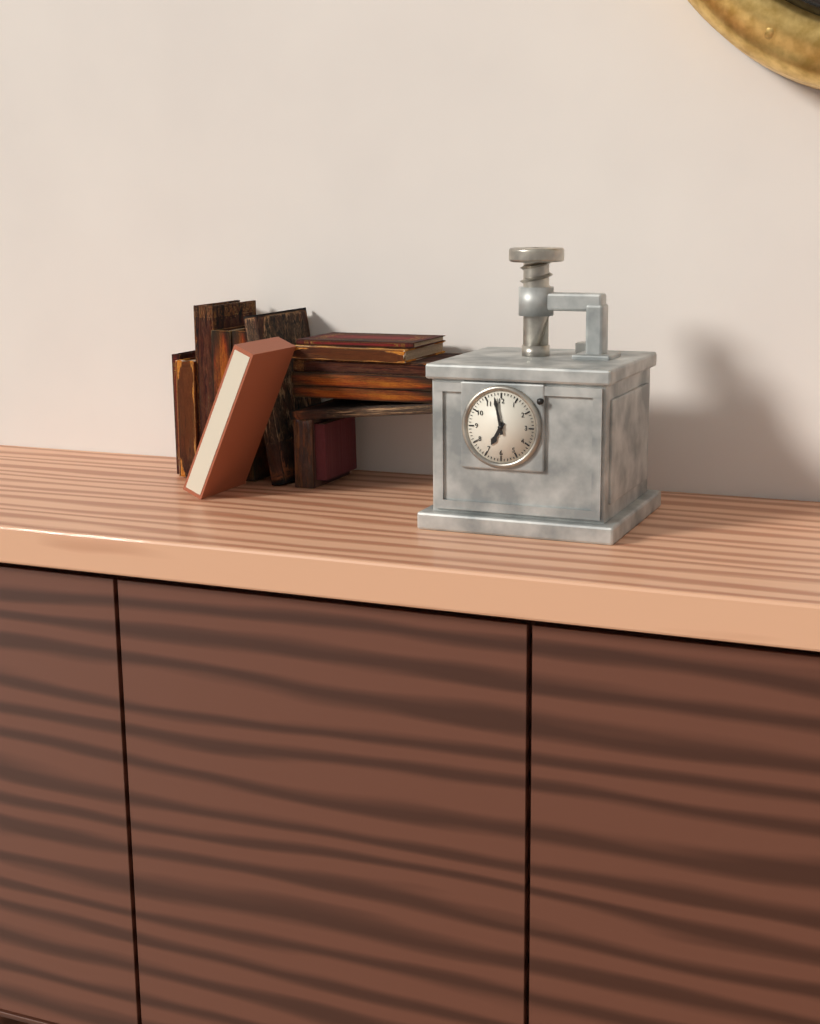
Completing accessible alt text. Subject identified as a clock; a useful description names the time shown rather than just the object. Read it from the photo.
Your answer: 6:58
